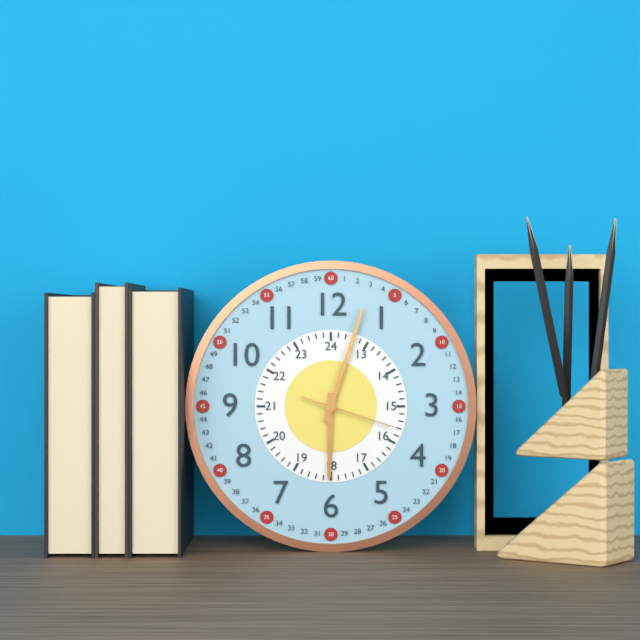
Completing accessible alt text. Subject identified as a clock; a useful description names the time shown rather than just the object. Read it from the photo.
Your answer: 6:03:18
